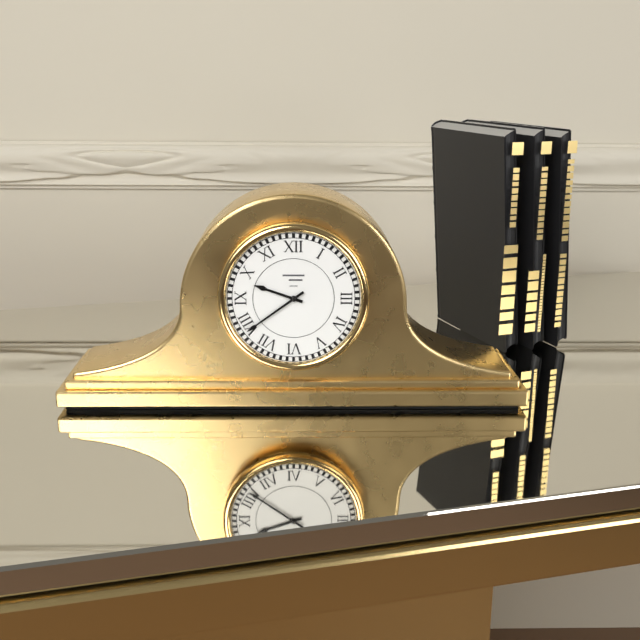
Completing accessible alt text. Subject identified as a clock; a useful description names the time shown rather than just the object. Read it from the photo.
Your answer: 9:39
